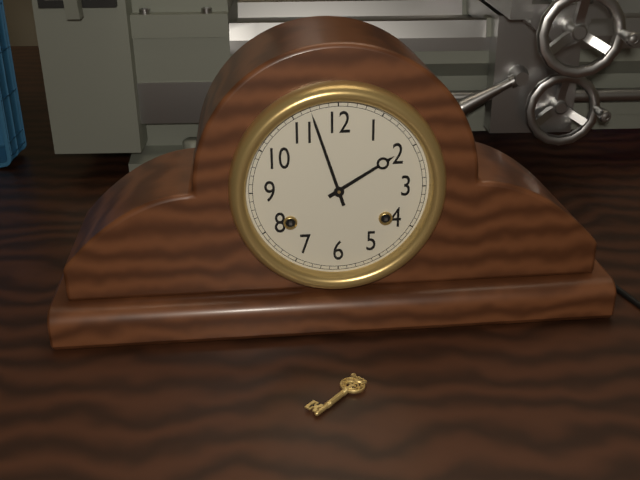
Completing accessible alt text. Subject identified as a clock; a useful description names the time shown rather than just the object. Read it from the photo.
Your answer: 1:57
